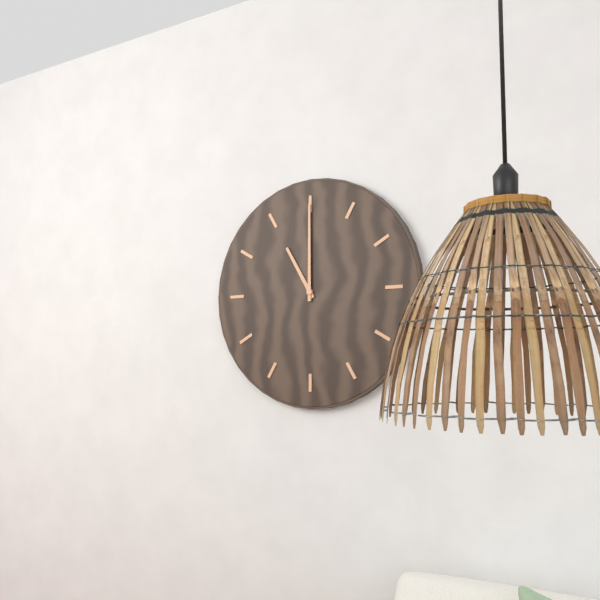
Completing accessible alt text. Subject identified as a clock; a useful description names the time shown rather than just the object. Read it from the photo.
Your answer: 11:00
